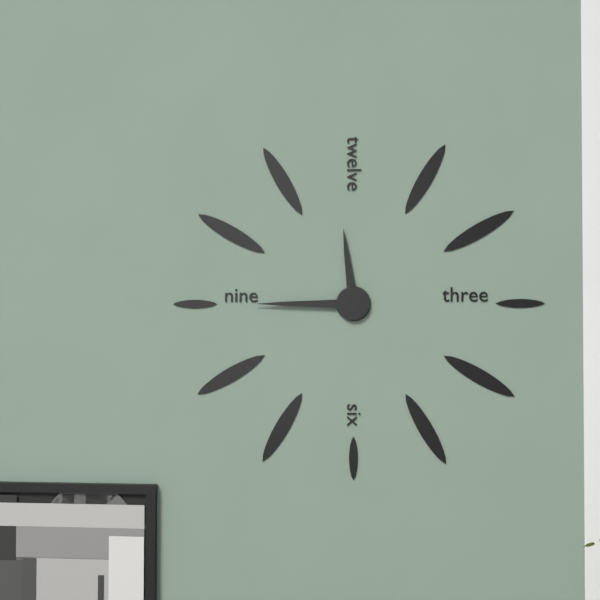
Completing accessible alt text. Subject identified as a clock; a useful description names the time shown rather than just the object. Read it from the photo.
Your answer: 11:45
